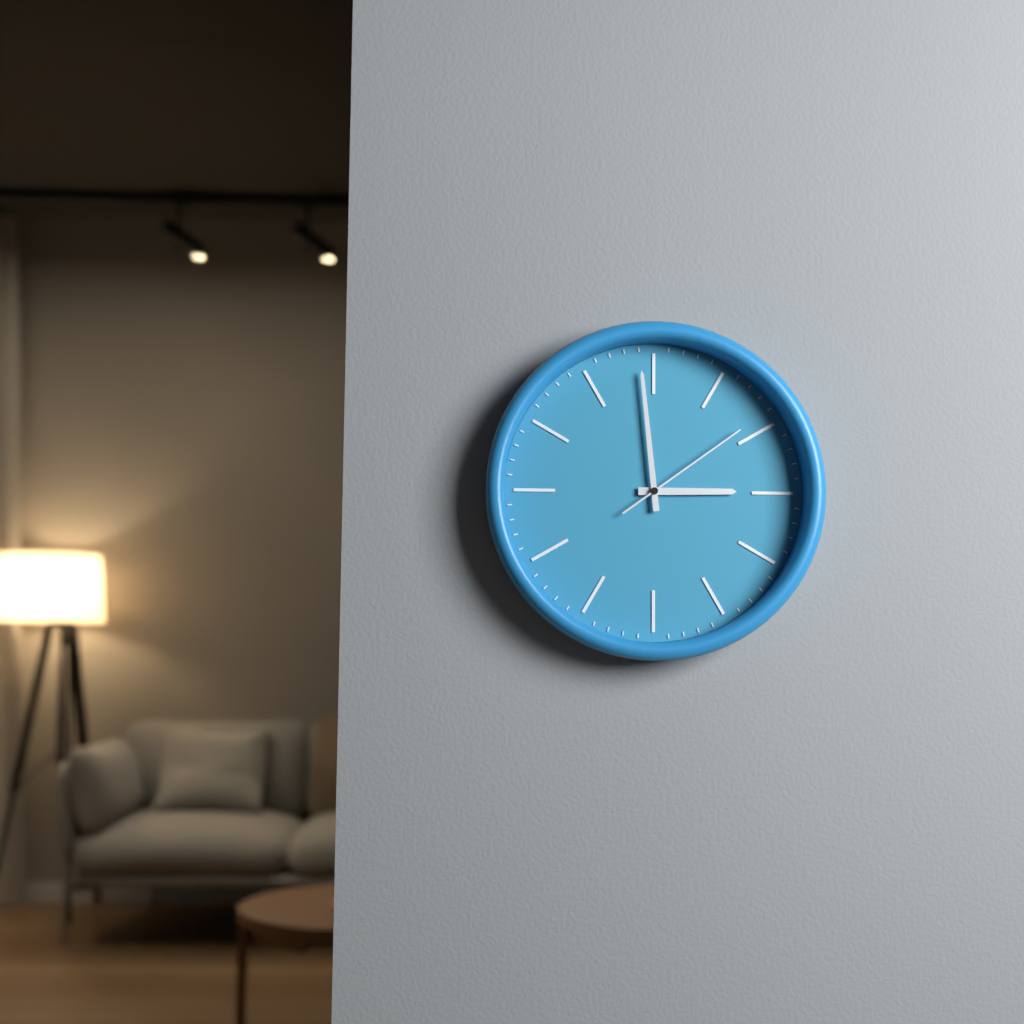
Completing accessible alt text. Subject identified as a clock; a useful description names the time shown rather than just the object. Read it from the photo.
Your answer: 2:59:09
